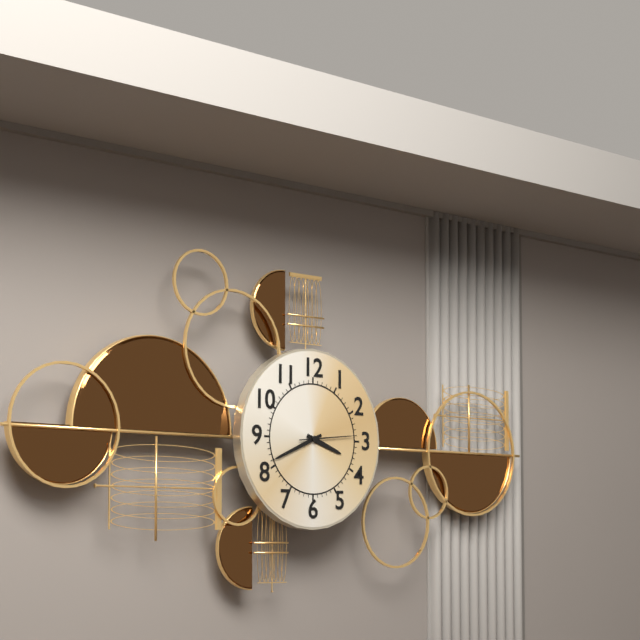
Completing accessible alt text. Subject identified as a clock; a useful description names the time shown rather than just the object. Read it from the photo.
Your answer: 3:41:14
